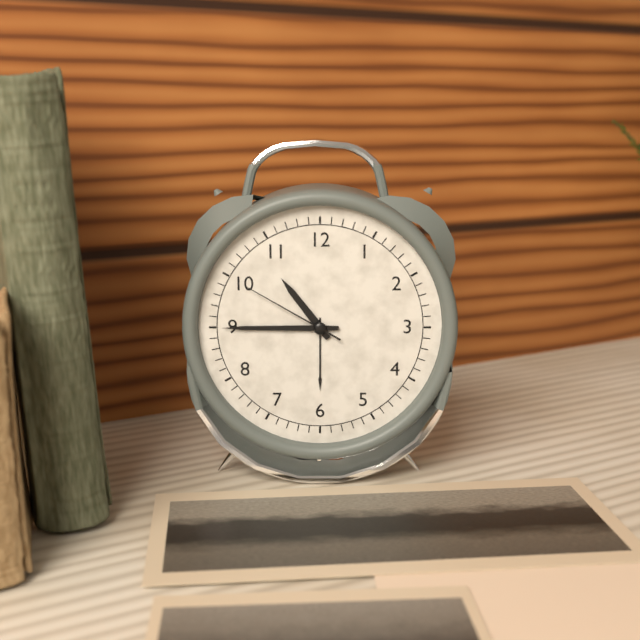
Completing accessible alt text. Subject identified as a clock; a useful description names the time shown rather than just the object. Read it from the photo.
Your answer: 10:45:50
